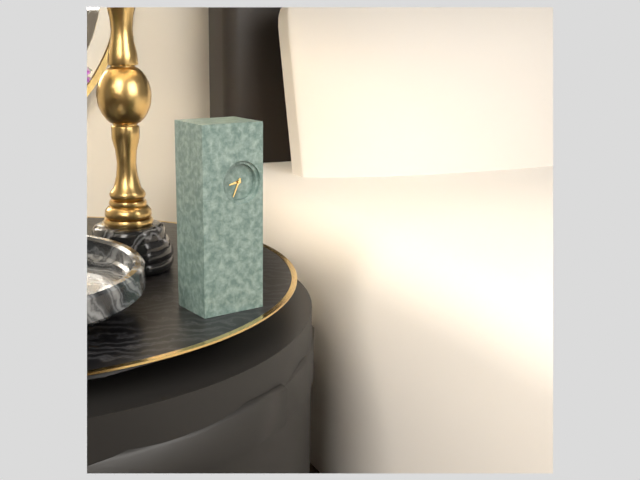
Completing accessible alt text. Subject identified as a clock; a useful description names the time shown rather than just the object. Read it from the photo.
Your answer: 8:34
